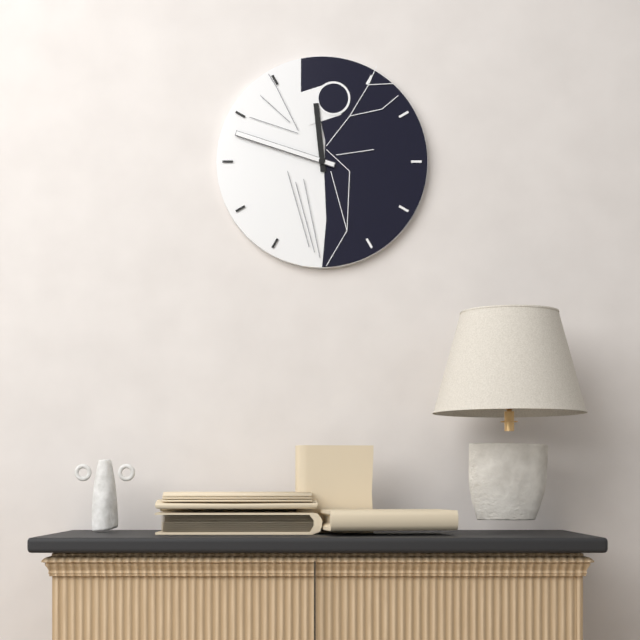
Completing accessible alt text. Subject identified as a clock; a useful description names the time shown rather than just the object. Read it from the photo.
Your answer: 11:48
